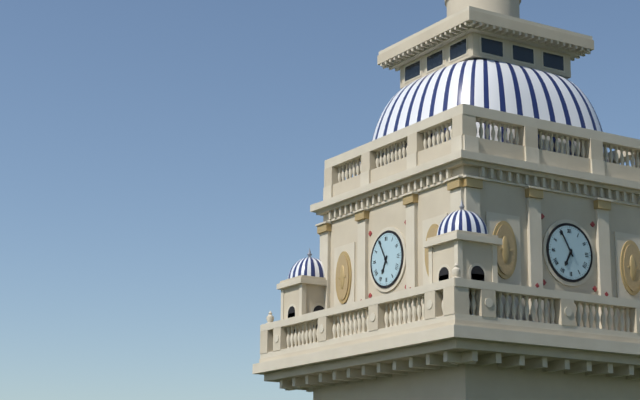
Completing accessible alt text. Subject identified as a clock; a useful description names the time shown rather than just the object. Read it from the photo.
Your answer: 6:55
